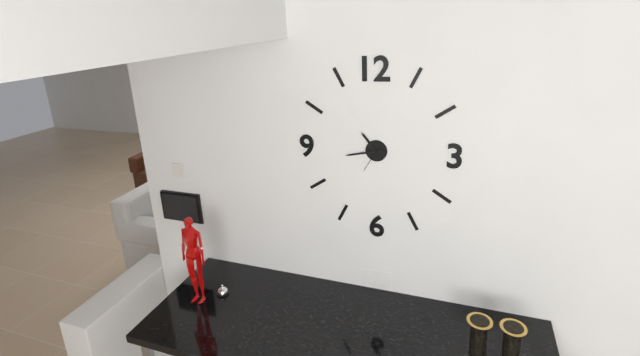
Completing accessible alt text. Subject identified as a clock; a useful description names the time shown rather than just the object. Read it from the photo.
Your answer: 10:43
